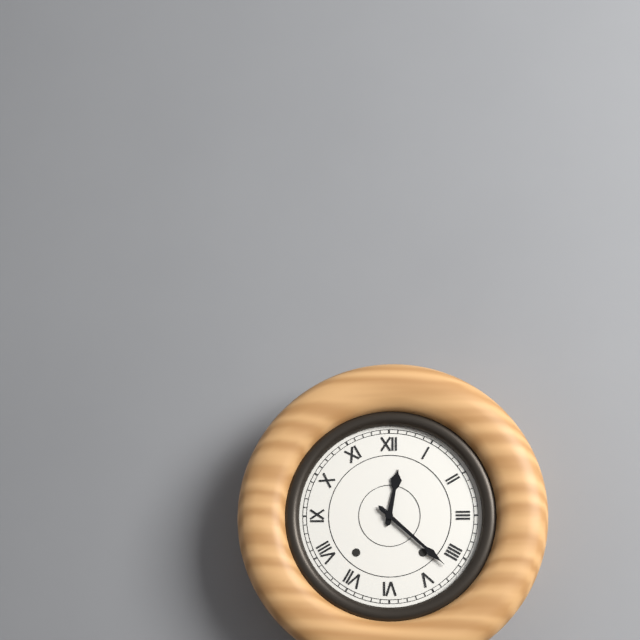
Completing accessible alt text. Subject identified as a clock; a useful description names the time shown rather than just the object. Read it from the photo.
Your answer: 12:22
